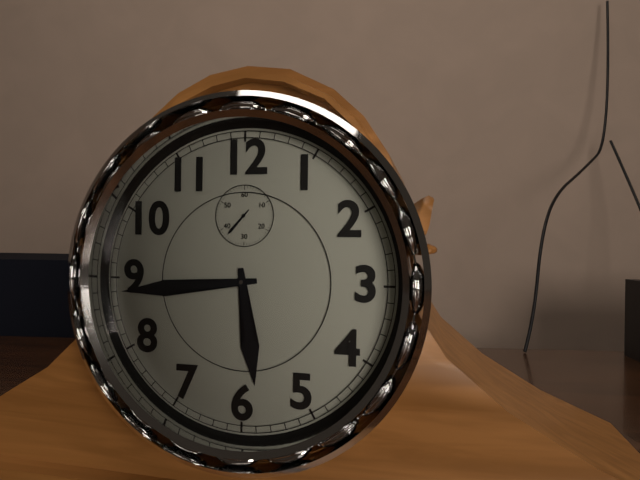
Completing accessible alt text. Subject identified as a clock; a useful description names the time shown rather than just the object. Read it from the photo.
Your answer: 5:44
